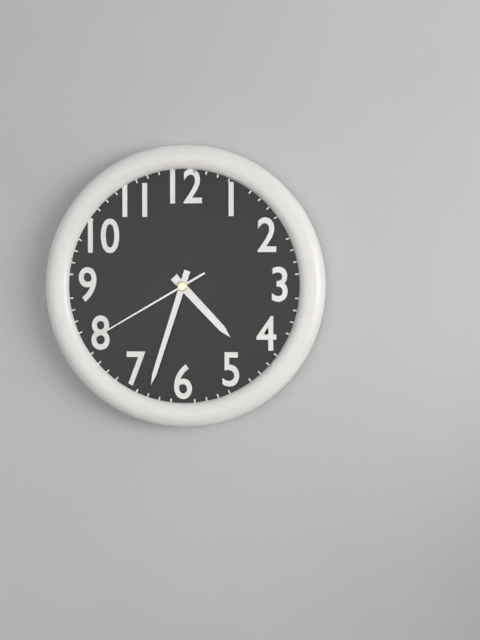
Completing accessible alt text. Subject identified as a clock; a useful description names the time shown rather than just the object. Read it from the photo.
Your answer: 4:33:40
